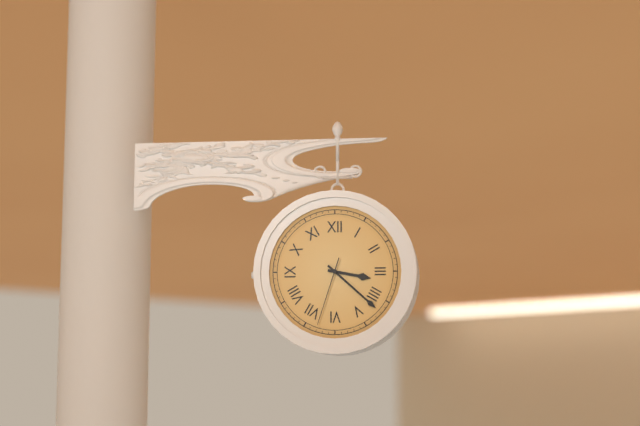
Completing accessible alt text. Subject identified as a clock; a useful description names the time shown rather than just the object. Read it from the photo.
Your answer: 3:22:33
